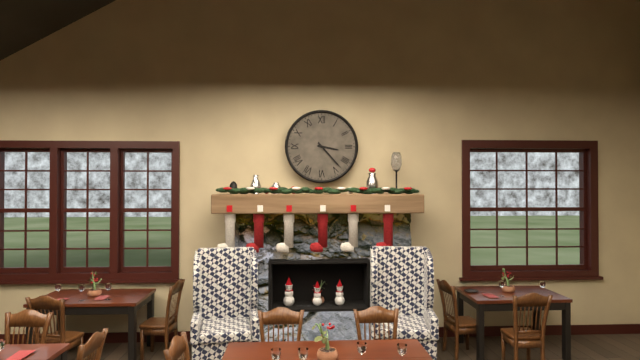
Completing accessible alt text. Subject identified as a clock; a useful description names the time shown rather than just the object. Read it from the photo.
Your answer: 3:23
